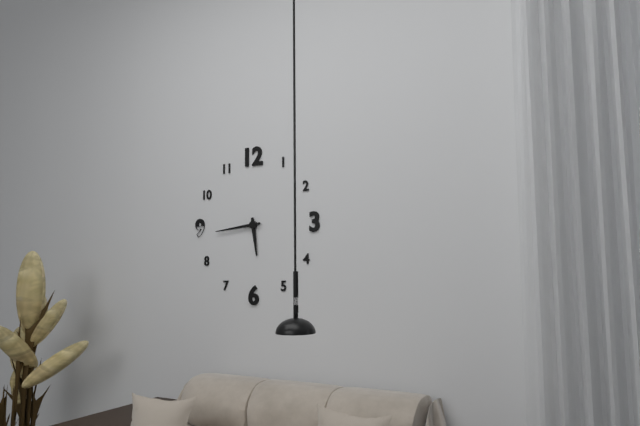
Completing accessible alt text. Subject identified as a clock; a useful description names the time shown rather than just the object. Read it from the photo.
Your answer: 5:44
